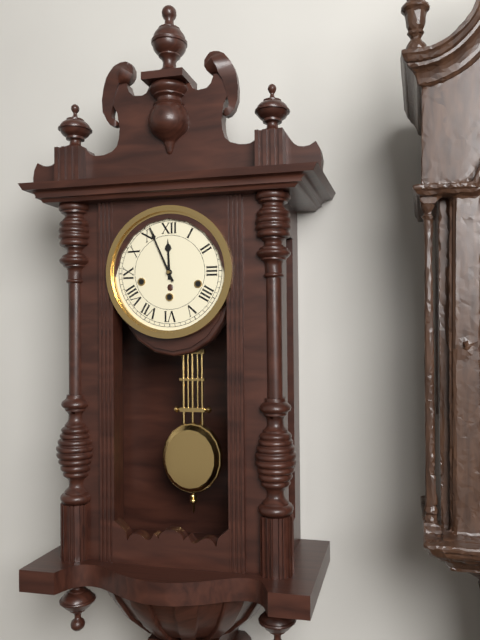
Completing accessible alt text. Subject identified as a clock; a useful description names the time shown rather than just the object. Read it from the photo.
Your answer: 11:56
